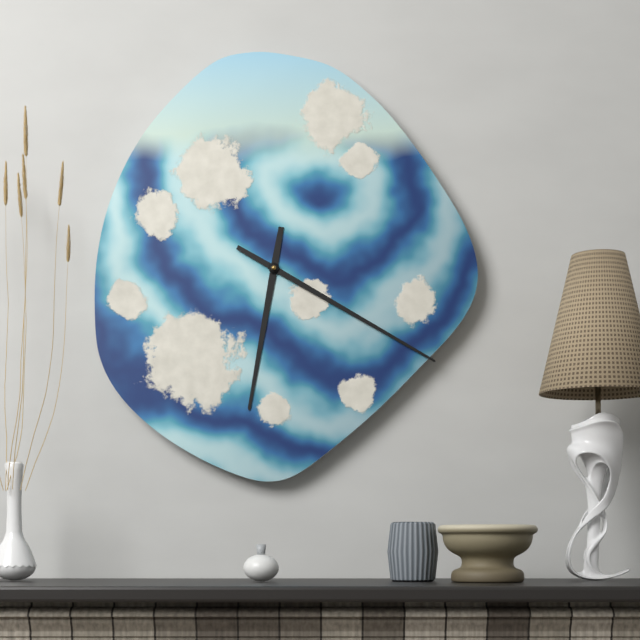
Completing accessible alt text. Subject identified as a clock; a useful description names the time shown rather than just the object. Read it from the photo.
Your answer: 6:20
